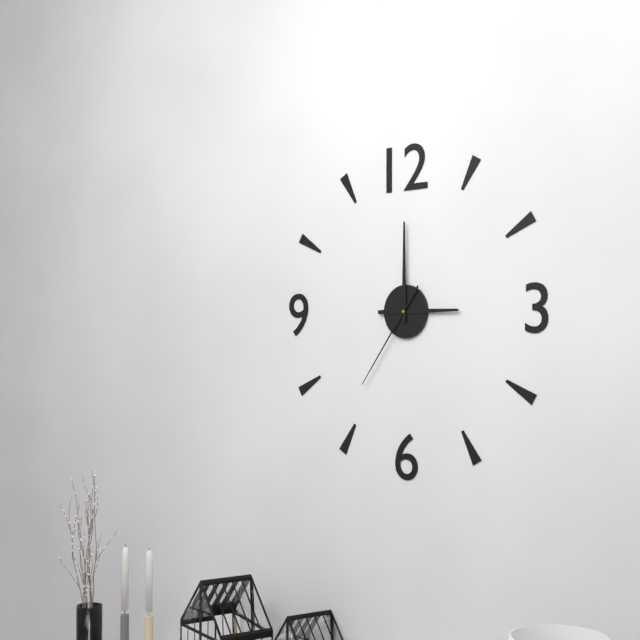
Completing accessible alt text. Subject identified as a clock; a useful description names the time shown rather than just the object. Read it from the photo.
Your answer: 3:00:36
